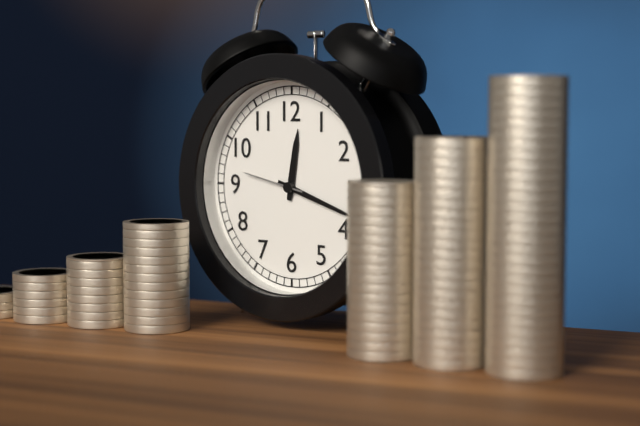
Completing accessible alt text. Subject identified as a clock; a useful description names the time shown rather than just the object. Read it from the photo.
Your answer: 12:18:47
